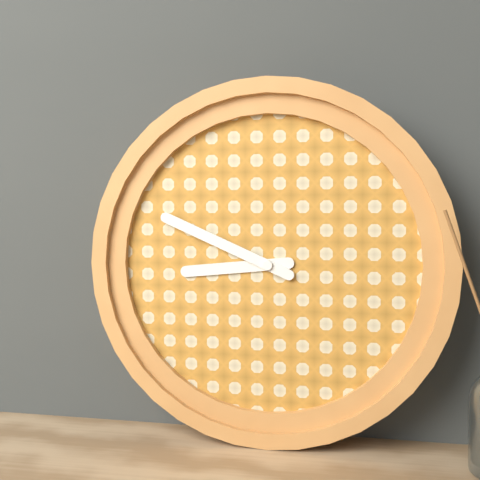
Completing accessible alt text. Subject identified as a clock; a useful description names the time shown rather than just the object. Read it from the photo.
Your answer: 8:49
